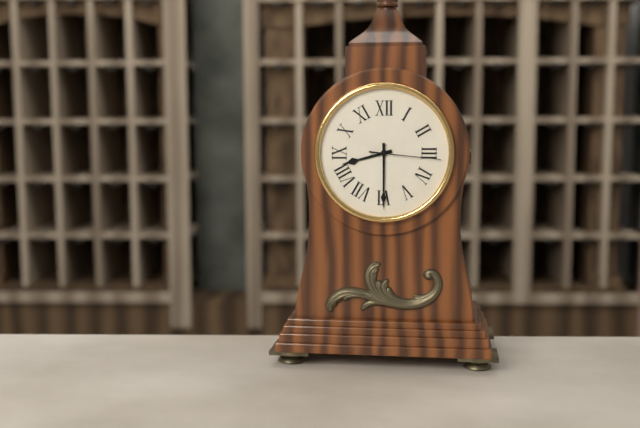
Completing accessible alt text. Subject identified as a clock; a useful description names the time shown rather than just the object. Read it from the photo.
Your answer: 8:30:16
